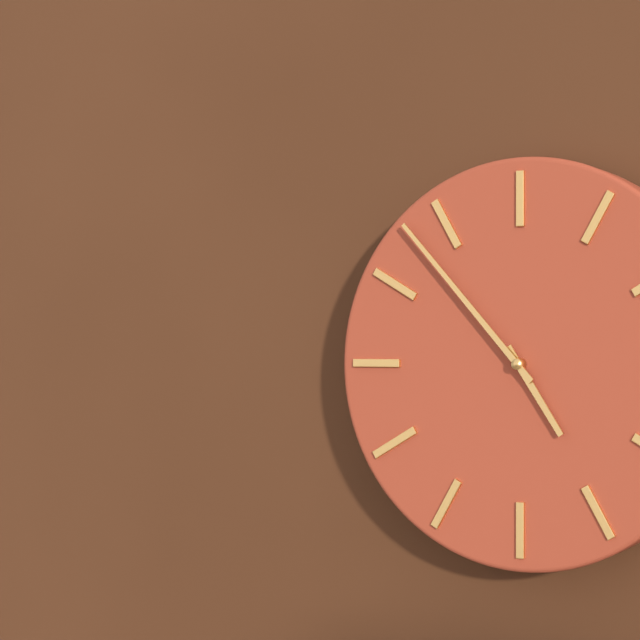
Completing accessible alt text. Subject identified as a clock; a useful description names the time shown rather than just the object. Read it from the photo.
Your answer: 4:53
